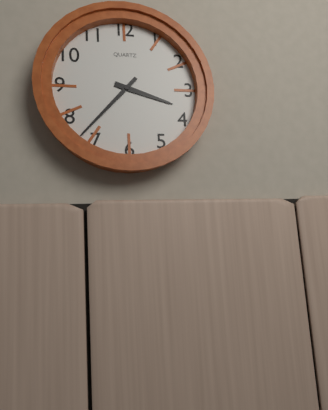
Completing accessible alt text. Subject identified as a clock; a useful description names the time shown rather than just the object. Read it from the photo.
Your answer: 3:37
